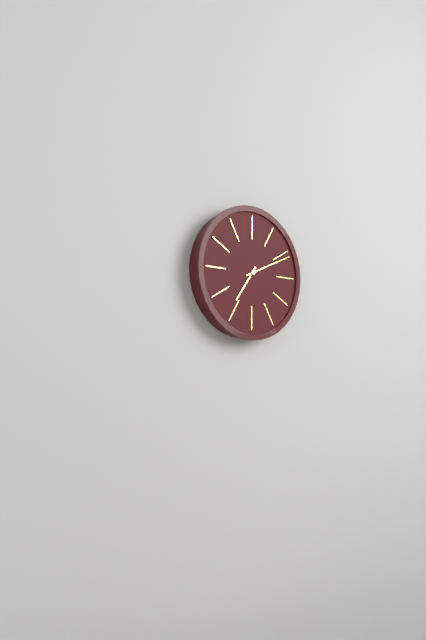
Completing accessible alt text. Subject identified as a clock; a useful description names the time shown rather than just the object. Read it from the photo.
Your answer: 7:11
